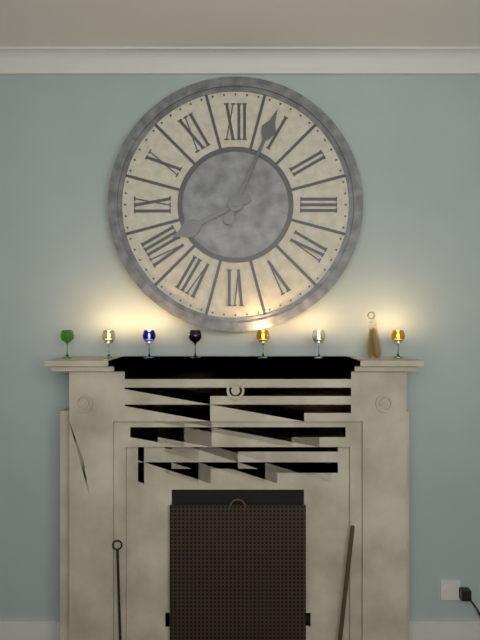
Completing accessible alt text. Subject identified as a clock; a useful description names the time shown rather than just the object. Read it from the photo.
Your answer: 8:04
